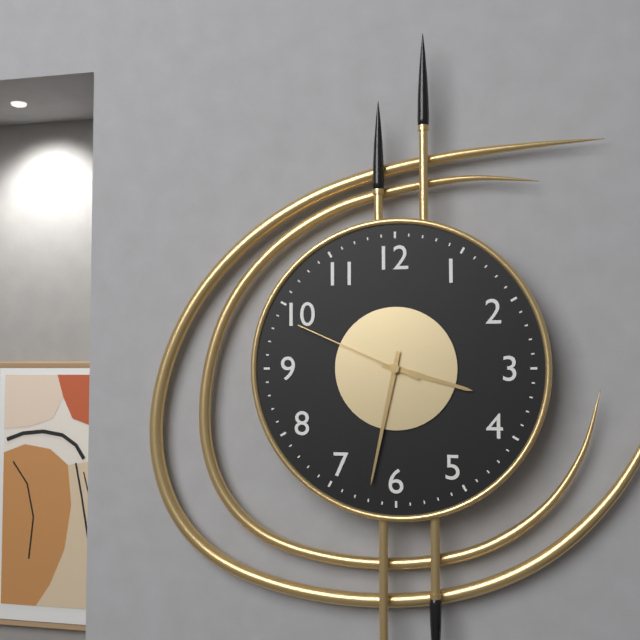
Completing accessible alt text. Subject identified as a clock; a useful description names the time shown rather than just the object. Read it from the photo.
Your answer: 3:32:49
